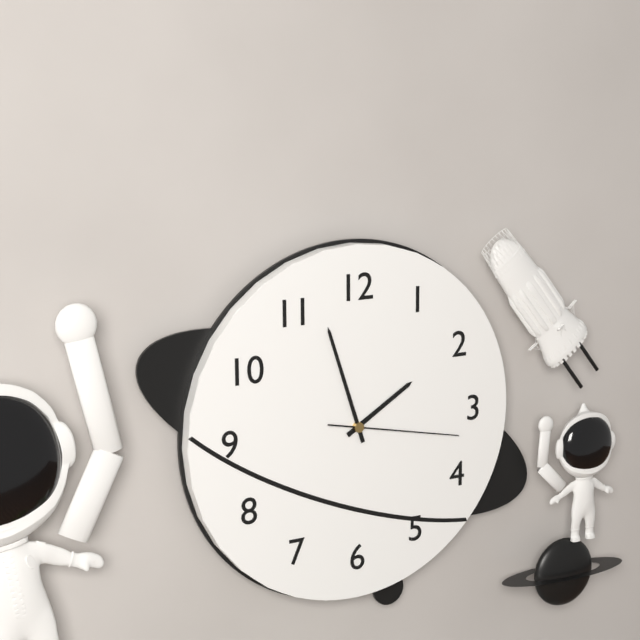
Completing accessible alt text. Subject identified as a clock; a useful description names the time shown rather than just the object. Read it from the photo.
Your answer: 1:57:17
